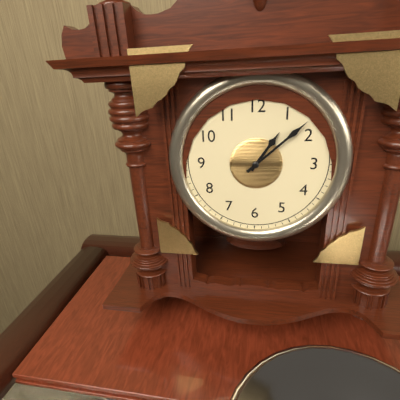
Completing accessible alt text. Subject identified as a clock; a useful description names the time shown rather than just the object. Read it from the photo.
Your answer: 1:08
